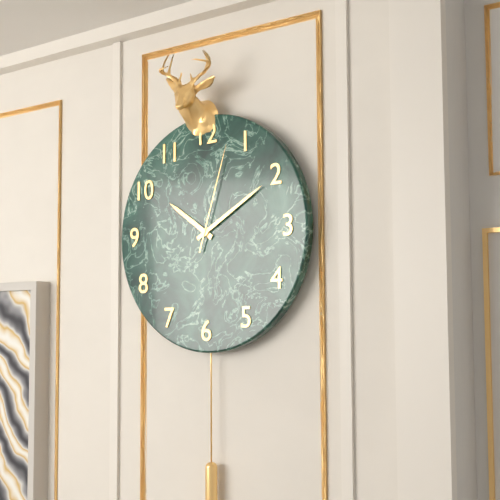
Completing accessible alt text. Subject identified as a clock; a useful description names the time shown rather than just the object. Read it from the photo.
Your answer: 10:10:03
